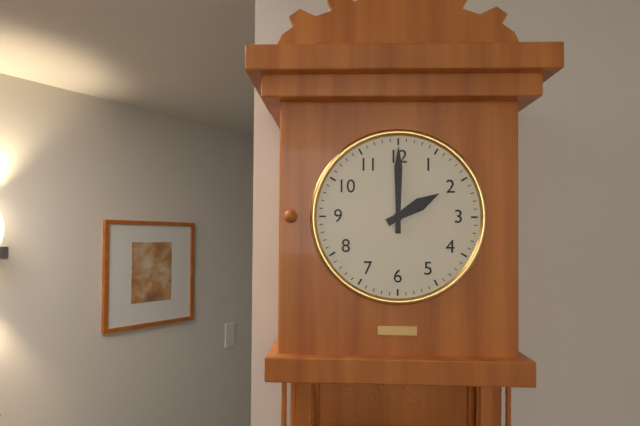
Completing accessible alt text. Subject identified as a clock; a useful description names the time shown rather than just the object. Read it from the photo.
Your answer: 2:00
